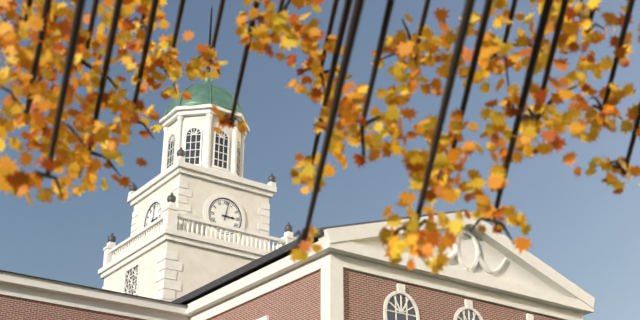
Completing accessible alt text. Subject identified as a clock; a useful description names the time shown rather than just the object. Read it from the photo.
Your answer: 3:02
